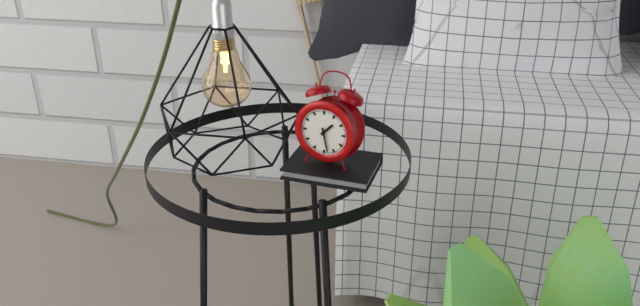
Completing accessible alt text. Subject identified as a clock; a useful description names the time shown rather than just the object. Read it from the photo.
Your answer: 1:28
